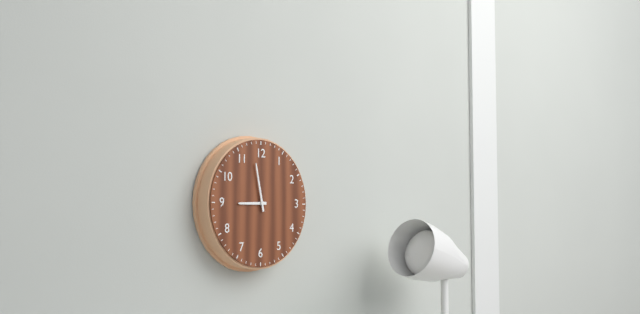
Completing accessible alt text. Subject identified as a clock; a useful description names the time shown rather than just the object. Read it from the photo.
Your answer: 8:58
